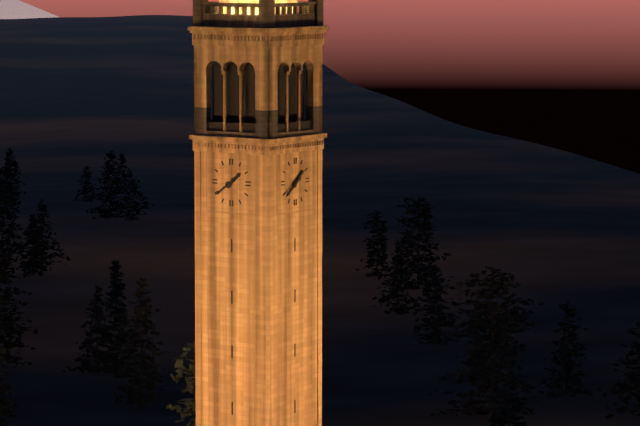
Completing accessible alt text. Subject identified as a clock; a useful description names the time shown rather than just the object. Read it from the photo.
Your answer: 1:39
